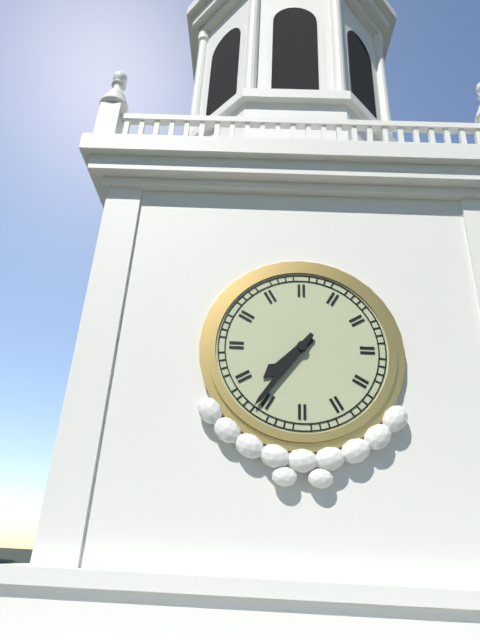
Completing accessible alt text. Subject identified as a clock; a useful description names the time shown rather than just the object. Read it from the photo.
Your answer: 7:36
